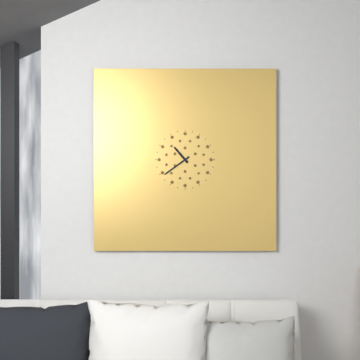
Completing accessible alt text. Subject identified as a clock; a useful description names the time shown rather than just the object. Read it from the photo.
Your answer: 10:39
